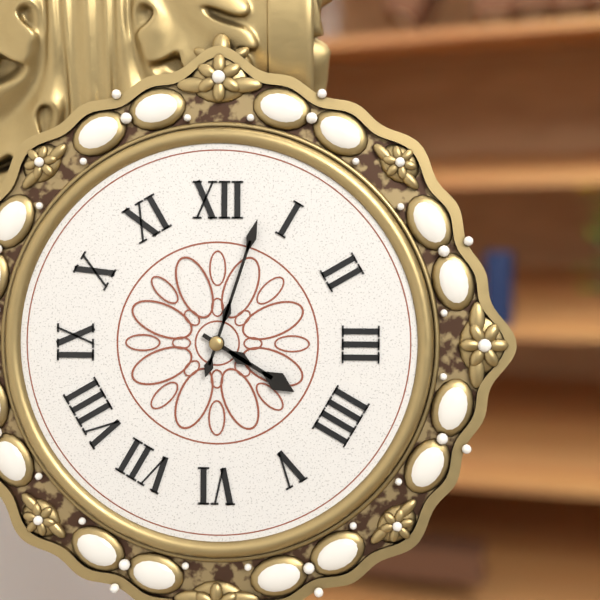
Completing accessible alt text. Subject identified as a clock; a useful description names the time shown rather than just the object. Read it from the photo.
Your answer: 4:03
